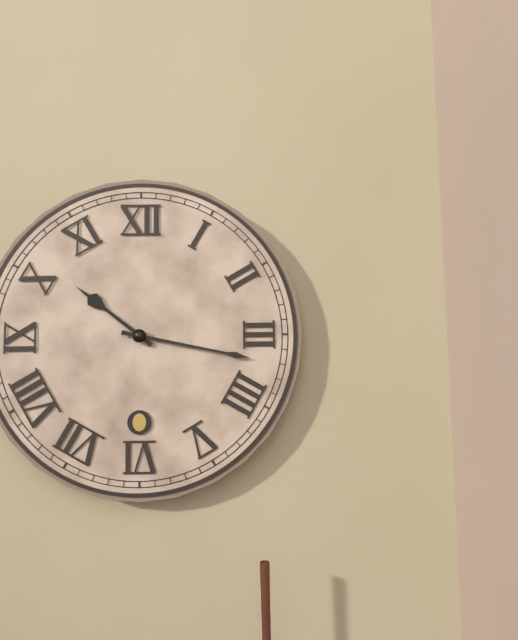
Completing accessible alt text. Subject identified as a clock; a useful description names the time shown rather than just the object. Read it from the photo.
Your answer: 10:17
